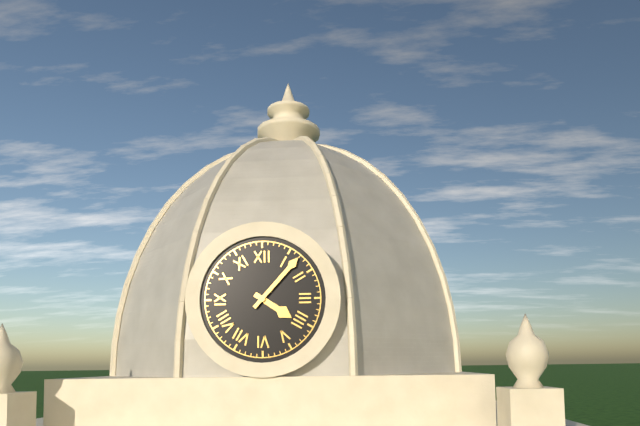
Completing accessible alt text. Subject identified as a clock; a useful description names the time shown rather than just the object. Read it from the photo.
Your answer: 4:07
